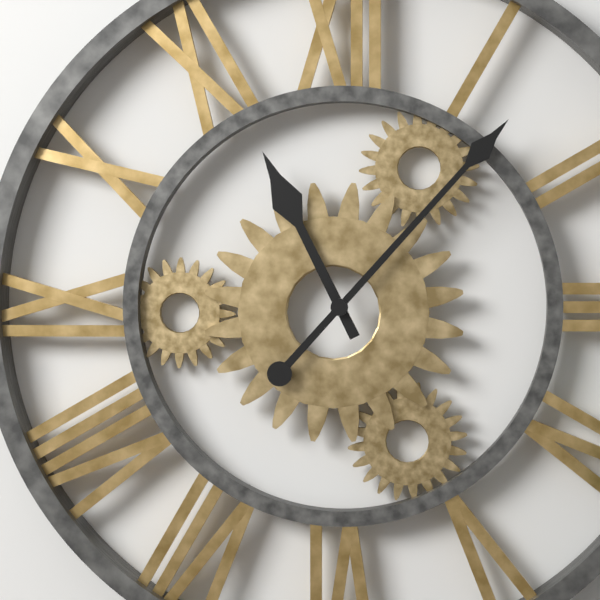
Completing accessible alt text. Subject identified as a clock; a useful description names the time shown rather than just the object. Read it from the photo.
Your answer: 11:07
